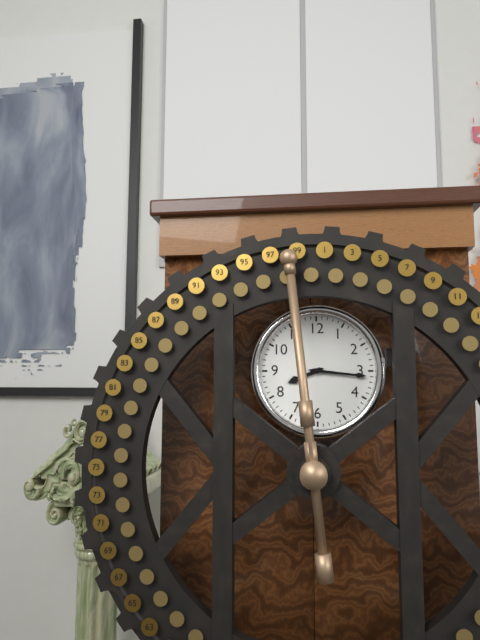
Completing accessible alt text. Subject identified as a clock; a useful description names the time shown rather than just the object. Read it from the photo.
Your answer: 8:16
